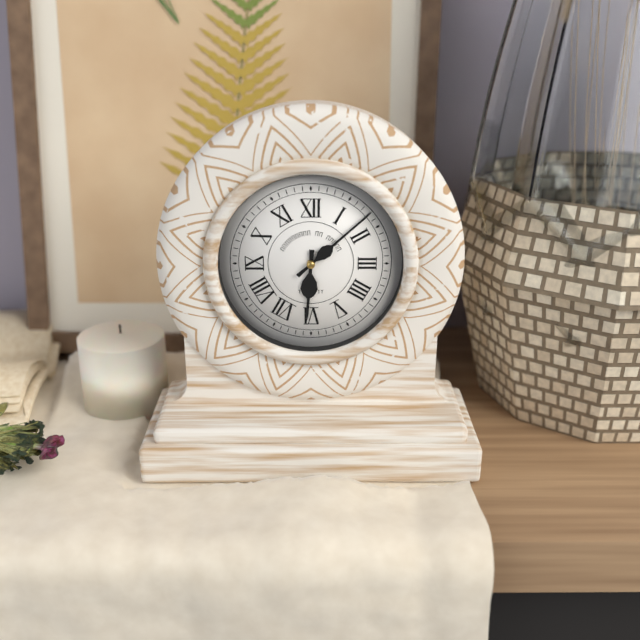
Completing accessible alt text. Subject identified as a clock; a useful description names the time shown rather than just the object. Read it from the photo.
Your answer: 6:08
